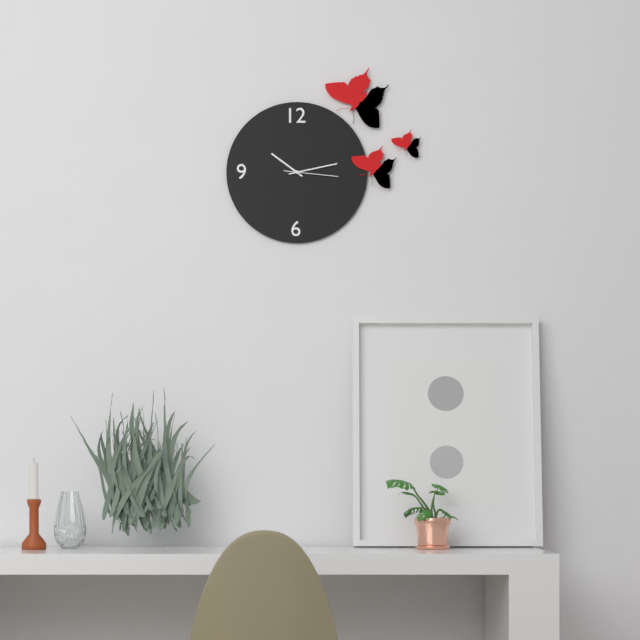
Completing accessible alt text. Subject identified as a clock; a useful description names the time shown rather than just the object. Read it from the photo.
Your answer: 10:13:16
